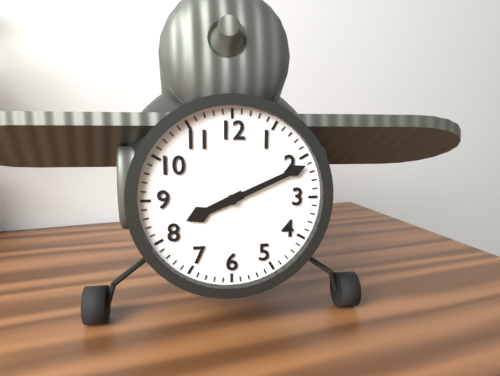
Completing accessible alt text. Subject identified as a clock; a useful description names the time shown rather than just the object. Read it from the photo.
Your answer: 8:11
